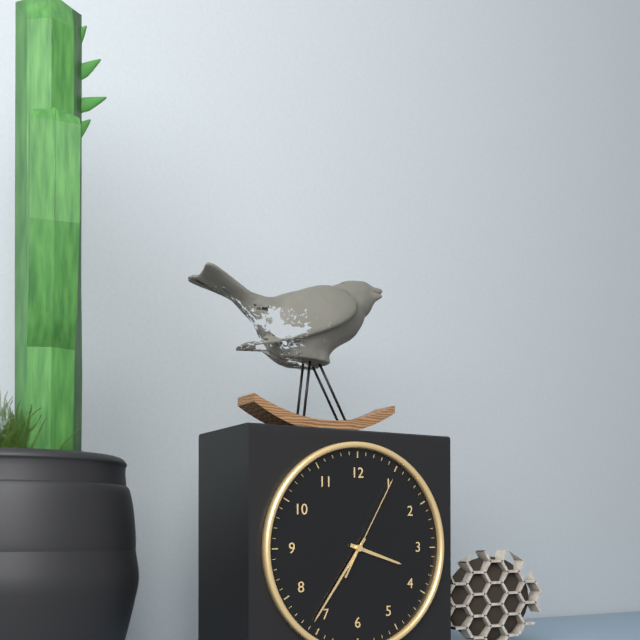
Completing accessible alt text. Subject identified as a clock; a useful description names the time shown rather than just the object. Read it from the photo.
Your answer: 3:36:05
